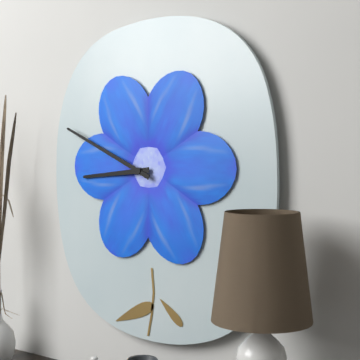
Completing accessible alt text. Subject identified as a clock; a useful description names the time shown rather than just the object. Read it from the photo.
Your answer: 8:49
